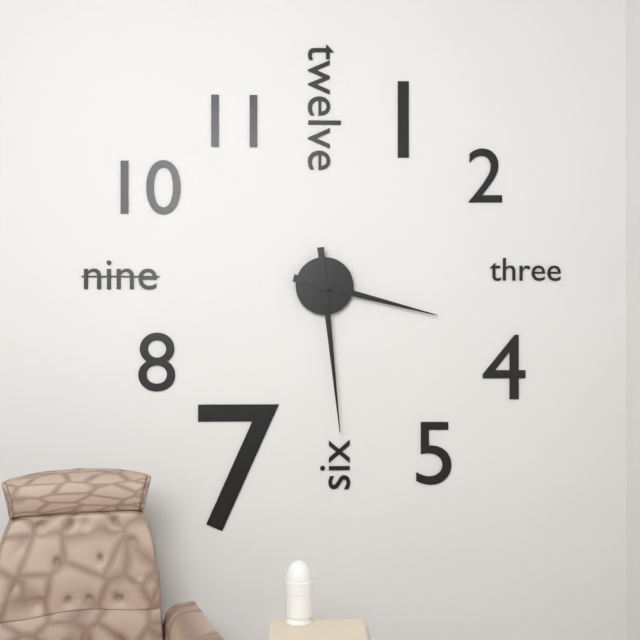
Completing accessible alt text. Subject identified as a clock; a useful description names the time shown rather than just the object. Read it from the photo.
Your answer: 3:29
